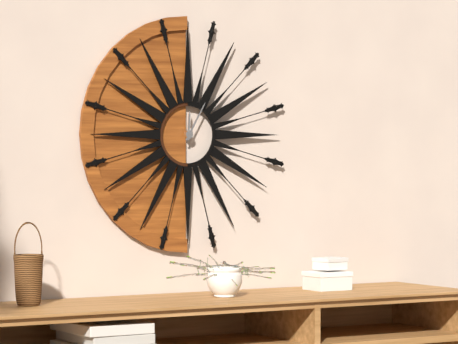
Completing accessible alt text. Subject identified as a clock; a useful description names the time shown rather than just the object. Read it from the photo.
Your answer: 12:05
